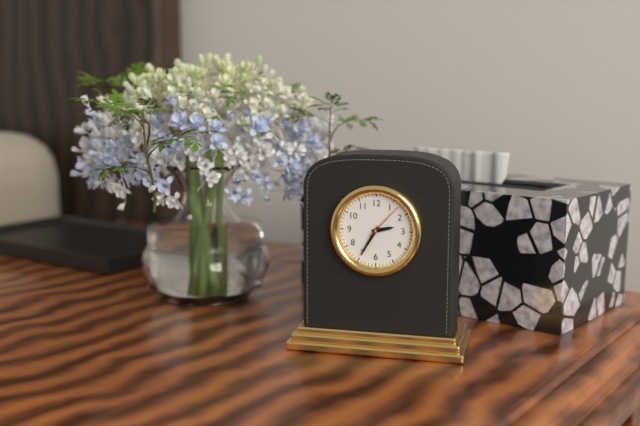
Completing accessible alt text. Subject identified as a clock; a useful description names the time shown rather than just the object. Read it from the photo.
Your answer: 2:35
